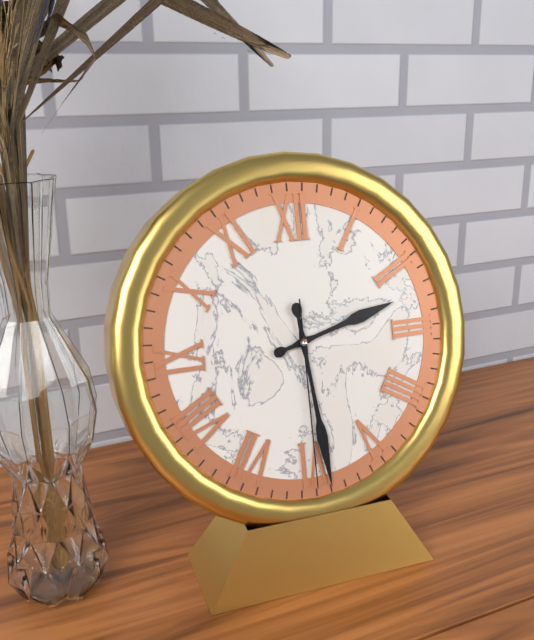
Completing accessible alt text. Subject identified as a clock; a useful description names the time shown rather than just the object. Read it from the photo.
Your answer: 2:29:30
